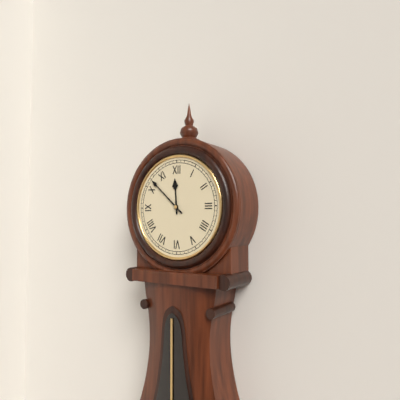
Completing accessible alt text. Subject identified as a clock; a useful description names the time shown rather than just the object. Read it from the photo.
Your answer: 11:52
